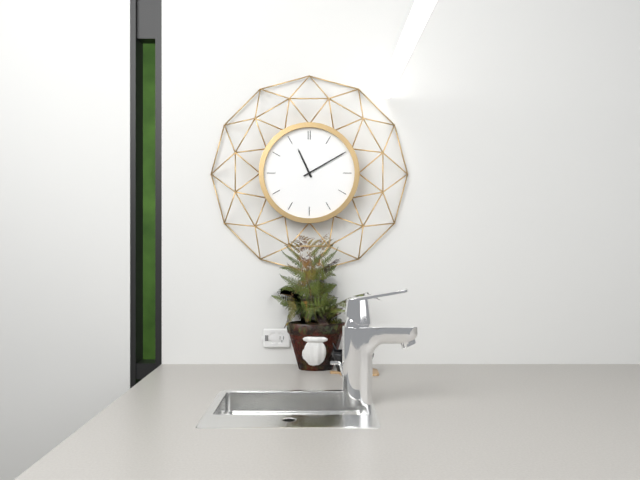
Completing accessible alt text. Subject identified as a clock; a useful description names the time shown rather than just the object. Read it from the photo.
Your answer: 11:10
